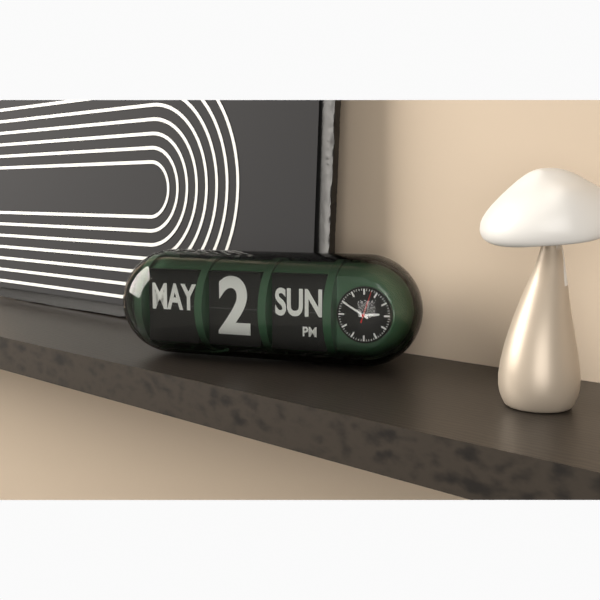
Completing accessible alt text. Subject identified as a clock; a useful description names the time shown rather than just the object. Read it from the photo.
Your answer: 2:50
